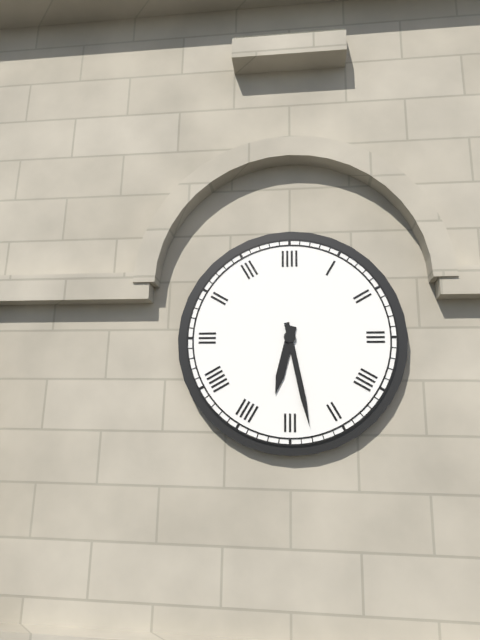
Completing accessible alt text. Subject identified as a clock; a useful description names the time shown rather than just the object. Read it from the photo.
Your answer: 6:28
